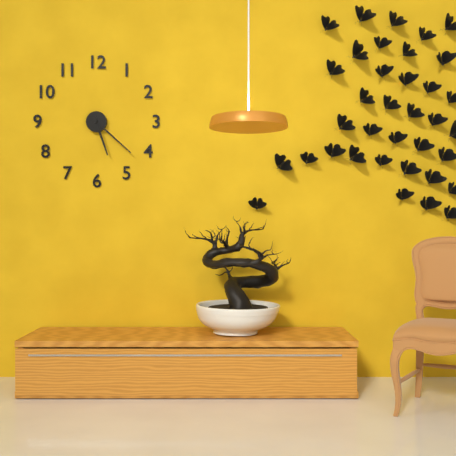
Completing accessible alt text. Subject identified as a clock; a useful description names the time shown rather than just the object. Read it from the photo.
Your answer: 5:22
